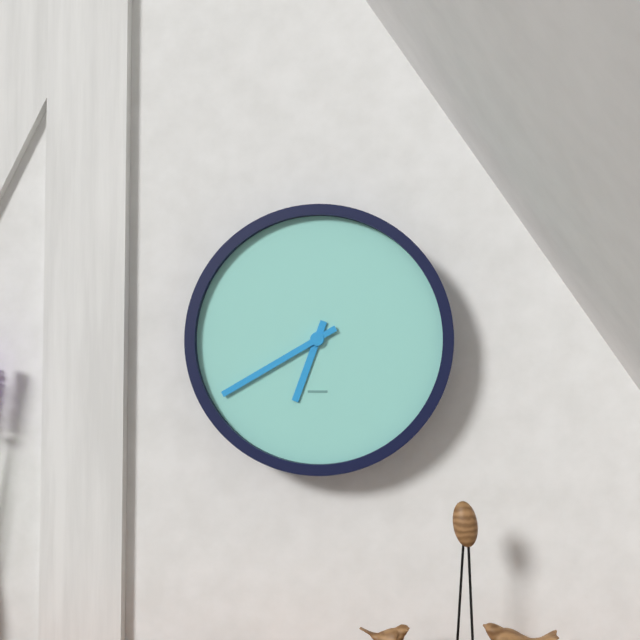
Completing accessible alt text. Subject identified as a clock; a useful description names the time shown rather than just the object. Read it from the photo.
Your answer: 6:40
